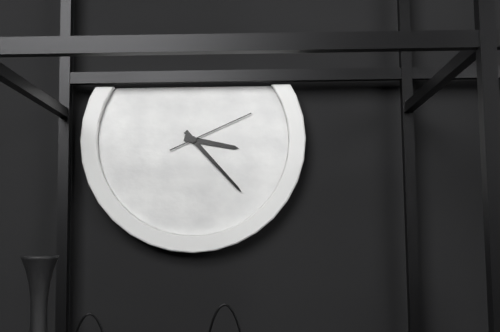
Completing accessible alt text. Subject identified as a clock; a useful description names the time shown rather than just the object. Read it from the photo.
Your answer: 3:23:11
